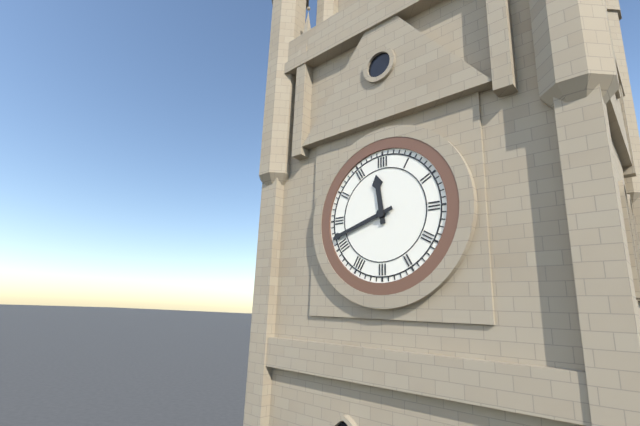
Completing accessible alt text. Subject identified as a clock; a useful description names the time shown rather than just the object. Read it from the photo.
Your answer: 11:42
